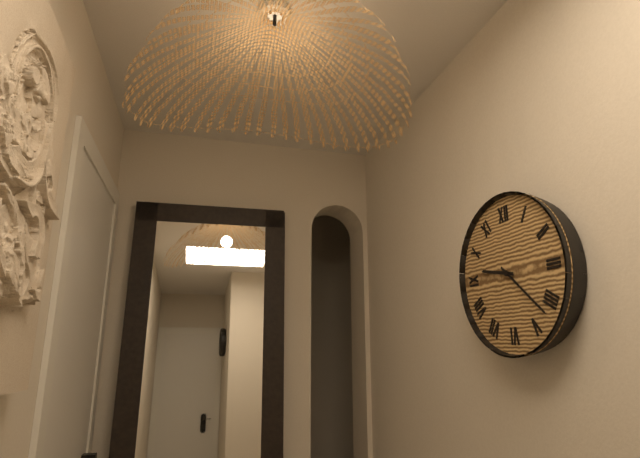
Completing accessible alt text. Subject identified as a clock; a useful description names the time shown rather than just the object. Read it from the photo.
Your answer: 9:22
